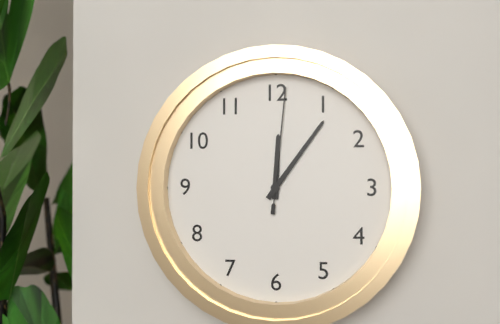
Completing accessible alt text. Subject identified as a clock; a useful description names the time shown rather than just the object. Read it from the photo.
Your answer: 12:06:01
